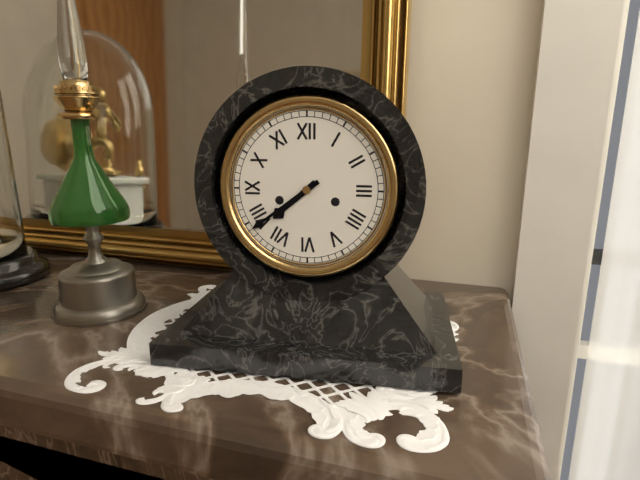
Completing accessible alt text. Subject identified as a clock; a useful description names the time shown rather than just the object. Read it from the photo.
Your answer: 7:39
